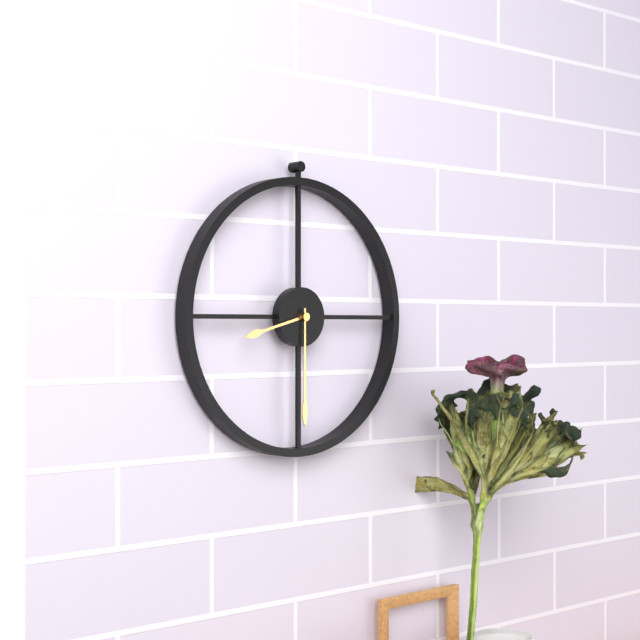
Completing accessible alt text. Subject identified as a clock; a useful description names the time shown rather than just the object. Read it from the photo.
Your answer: 8:30
